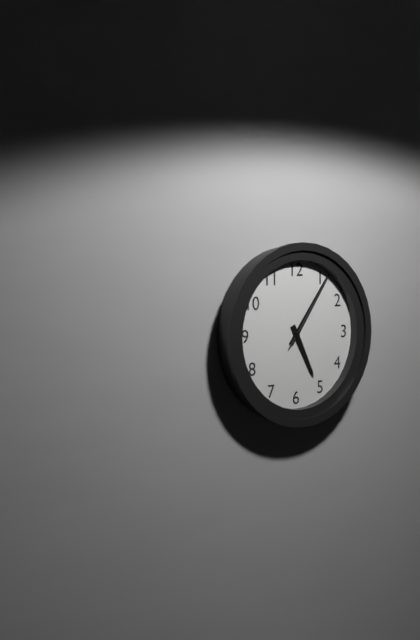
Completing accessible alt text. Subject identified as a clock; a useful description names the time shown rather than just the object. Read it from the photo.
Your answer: 5:06:06
